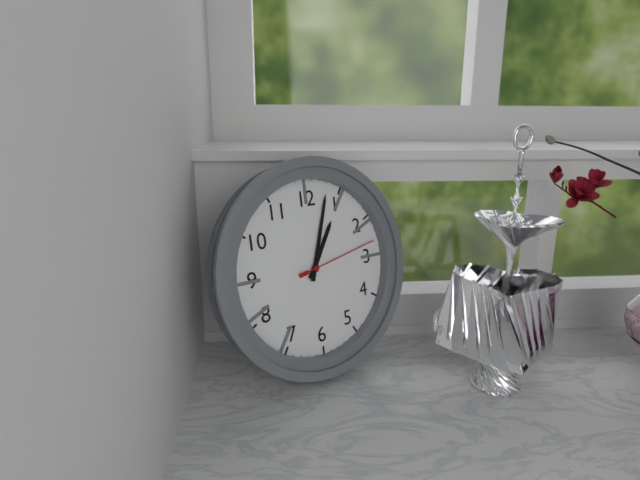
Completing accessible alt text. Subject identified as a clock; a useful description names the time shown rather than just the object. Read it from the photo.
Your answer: 1:03:13
